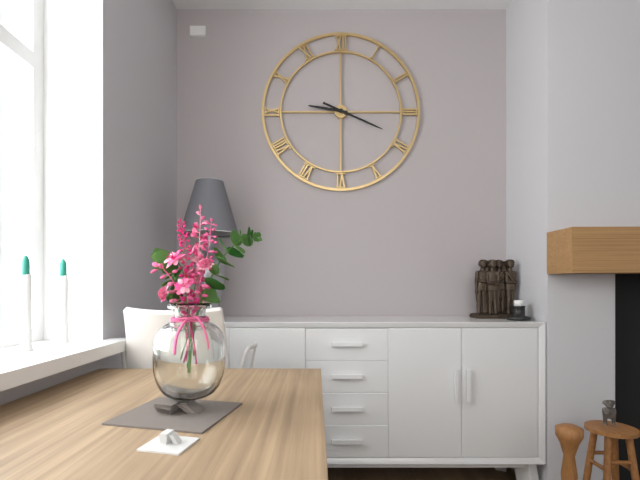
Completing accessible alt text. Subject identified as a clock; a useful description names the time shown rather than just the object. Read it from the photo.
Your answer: 9:19
